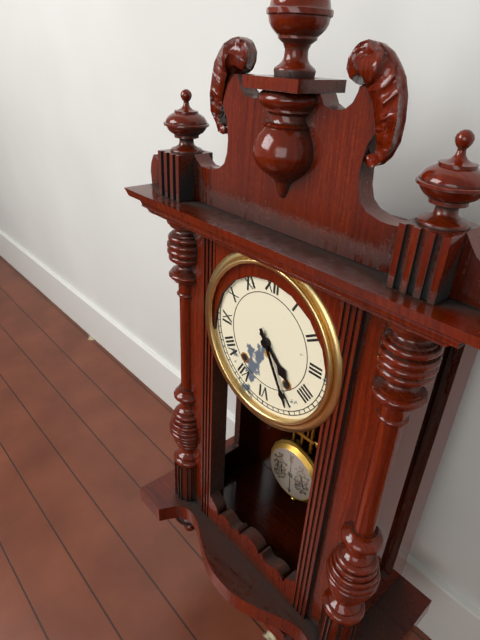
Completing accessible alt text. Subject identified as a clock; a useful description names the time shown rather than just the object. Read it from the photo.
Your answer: 4:25
